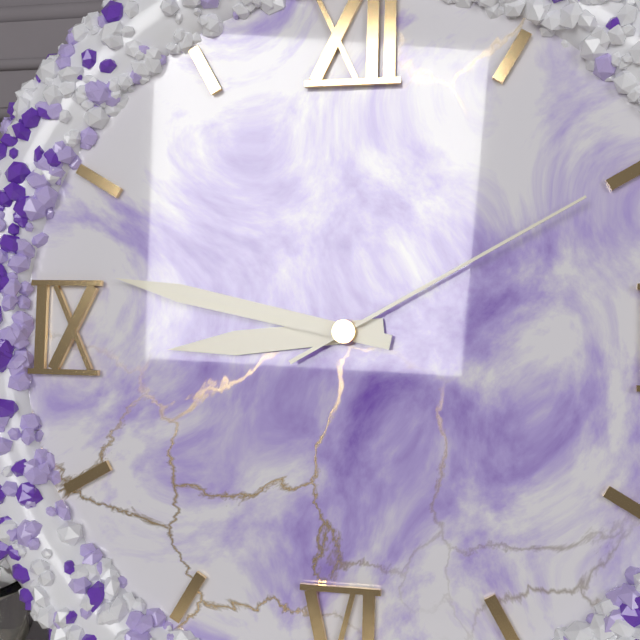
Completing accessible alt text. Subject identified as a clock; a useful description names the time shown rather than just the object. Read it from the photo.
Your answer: 8:47:10
